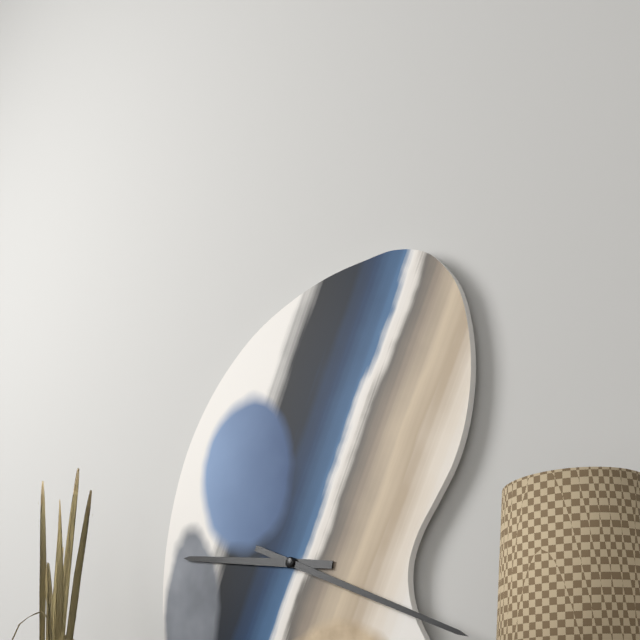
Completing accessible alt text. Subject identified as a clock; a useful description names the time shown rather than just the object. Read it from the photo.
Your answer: 9:19
